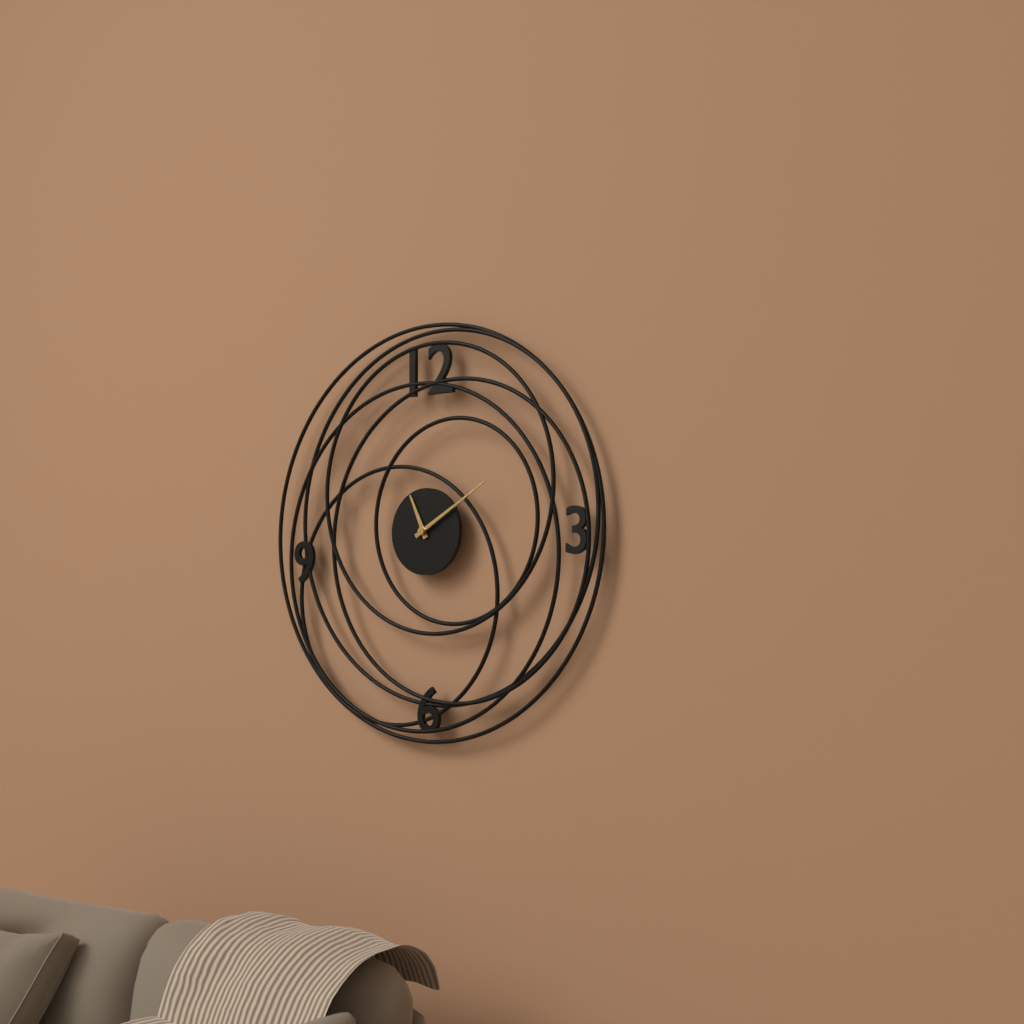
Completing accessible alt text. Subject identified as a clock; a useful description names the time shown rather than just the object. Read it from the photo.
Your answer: 11:10
